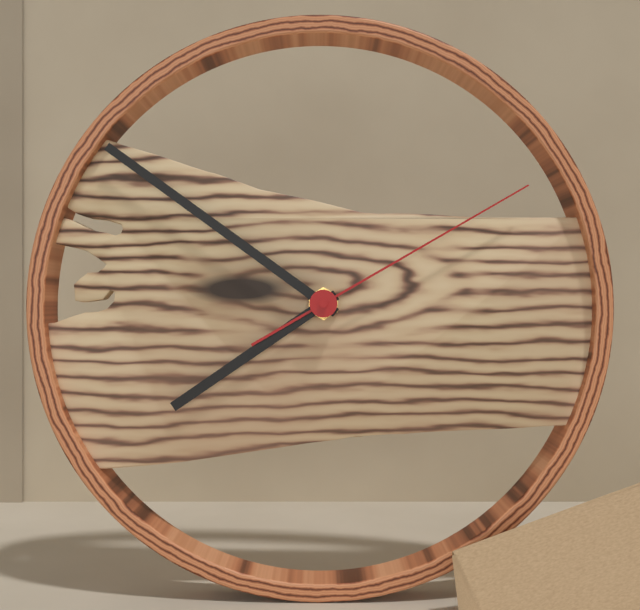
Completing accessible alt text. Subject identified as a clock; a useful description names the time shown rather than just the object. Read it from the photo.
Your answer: 7:51:10
